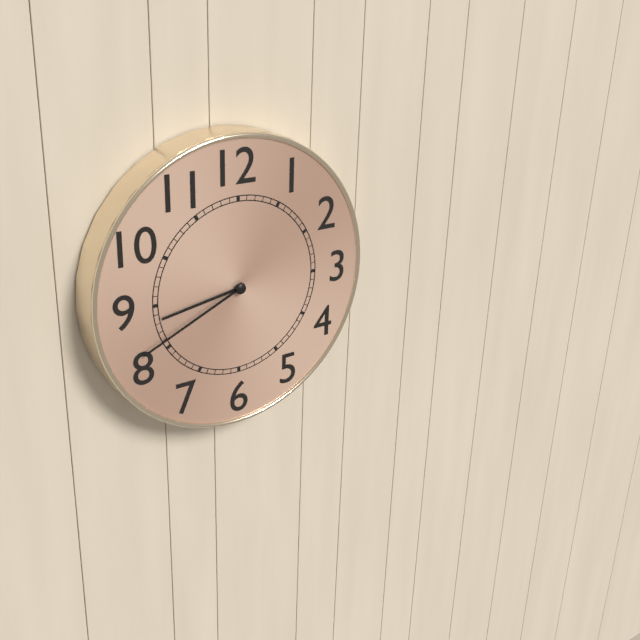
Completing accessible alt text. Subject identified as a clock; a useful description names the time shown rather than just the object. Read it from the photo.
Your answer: 8:41
